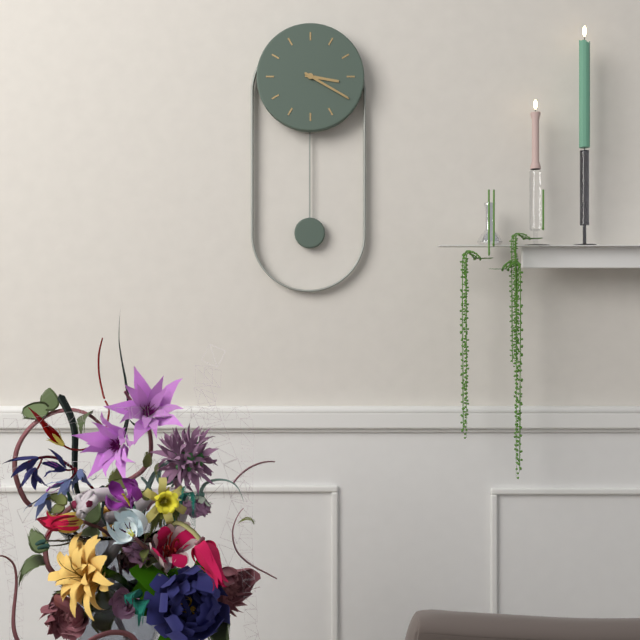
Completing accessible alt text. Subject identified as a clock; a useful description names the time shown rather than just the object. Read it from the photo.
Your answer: 3:20
